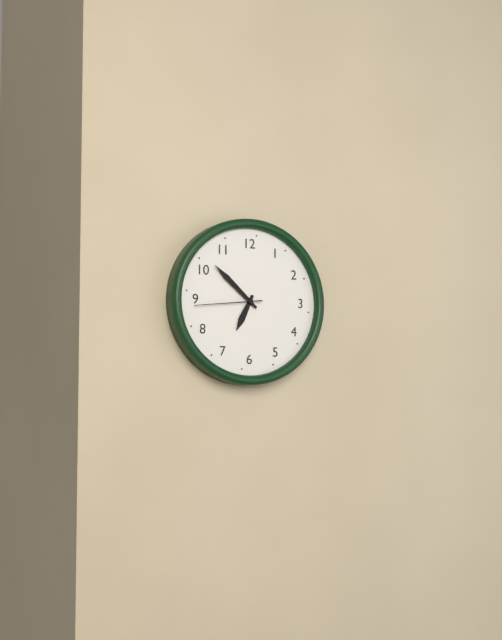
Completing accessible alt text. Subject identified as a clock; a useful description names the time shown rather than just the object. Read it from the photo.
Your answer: 6:52:44
